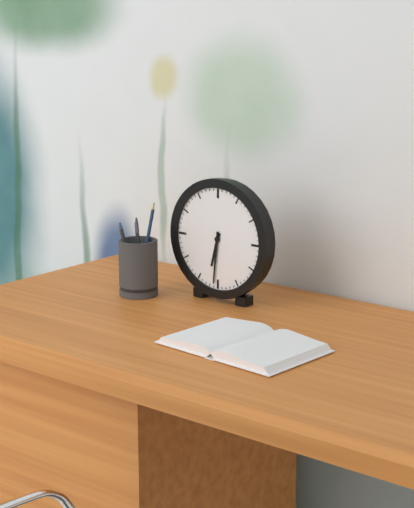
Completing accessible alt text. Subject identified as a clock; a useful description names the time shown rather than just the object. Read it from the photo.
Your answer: 6:31
